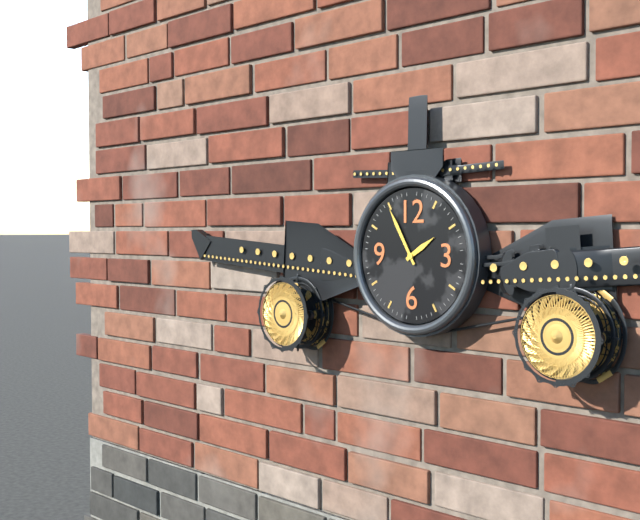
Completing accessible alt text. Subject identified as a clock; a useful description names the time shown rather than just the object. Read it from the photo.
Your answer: 1:55
